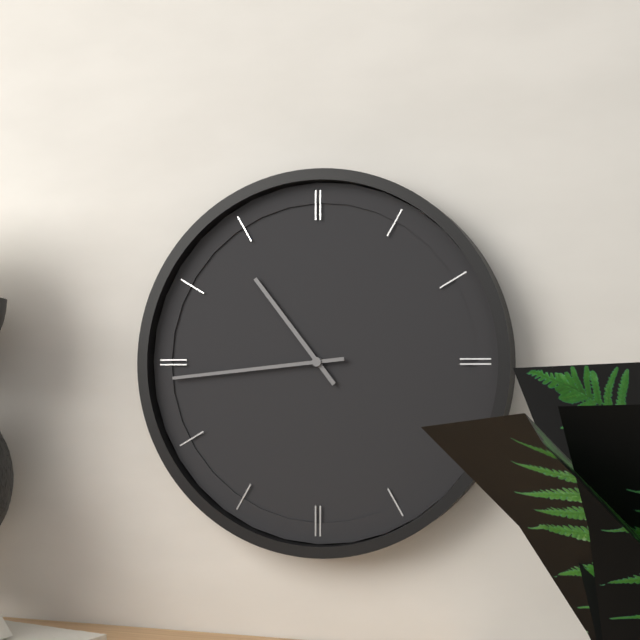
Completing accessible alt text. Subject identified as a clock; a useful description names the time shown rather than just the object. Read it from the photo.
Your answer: 10:44
